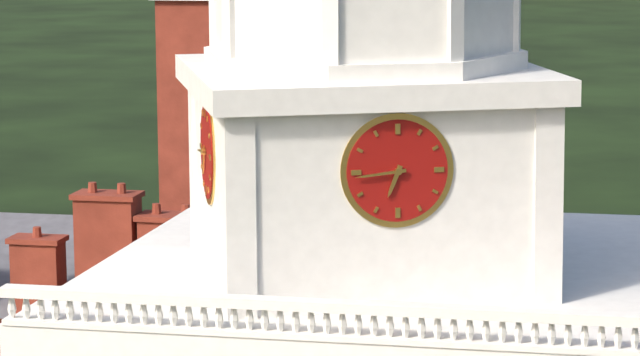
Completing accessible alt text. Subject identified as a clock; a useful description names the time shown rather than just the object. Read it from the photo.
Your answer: 6:44
